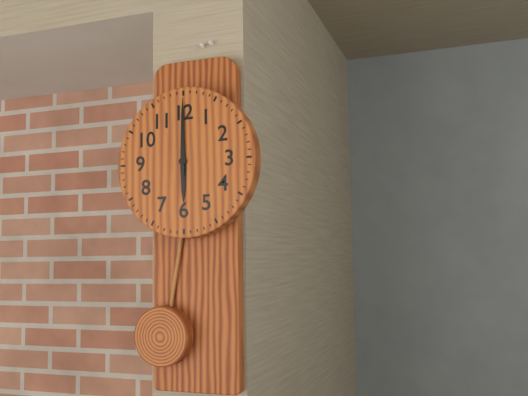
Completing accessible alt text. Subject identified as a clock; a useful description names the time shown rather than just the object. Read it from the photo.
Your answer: 6:00
